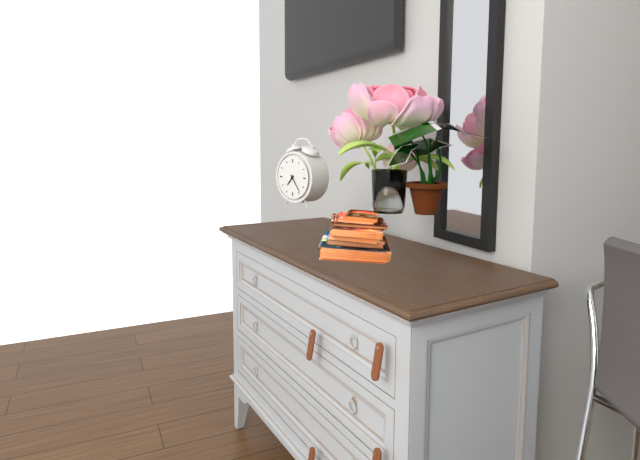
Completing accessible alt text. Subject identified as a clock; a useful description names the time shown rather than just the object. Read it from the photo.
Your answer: 7:24
